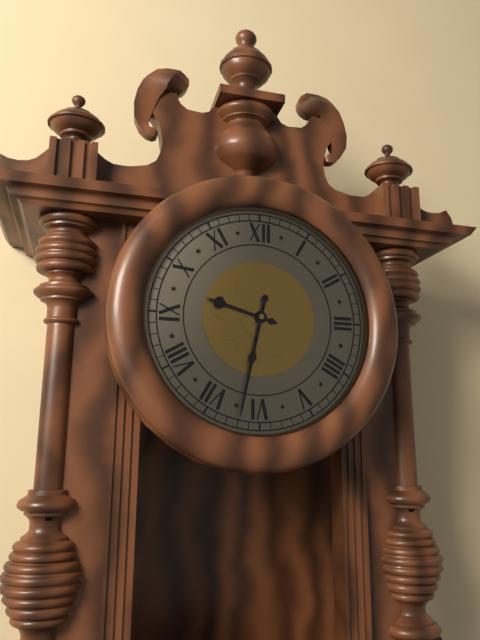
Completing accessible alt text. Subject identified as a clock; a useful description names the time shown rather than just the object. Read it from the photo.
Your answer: 9:32
